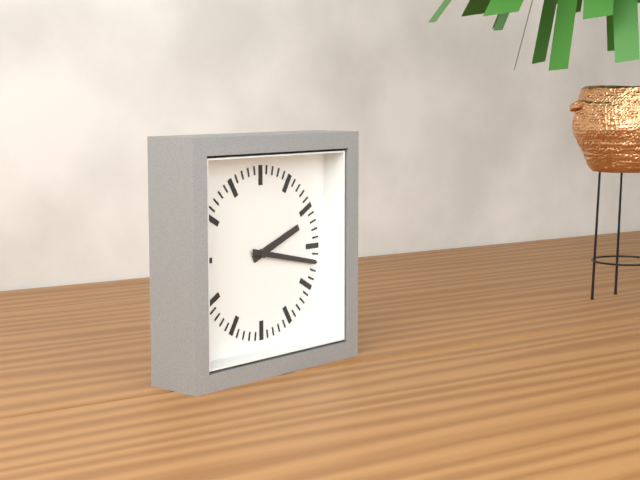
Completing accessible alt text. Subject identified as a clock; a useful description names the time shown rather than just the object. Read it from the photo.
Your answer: 2:17
